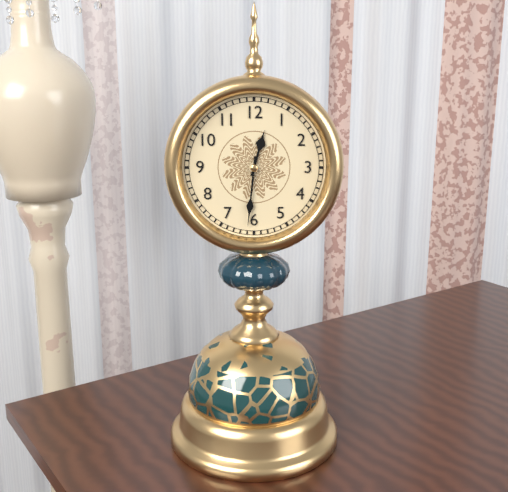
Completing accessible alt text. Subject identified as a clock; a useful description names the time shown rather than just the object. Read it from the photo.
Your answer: 12:31
